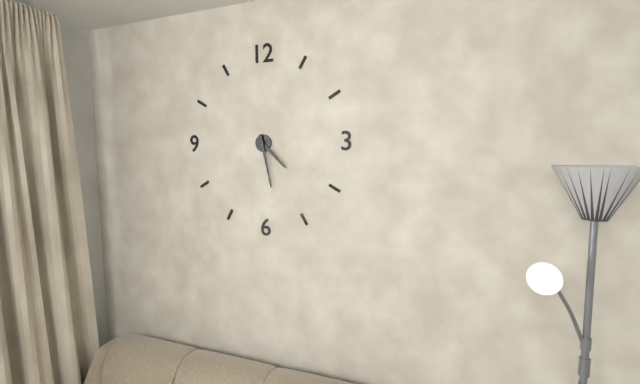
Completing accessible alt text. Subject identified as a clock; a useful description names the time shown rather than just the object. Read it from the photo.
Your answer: 4:28
